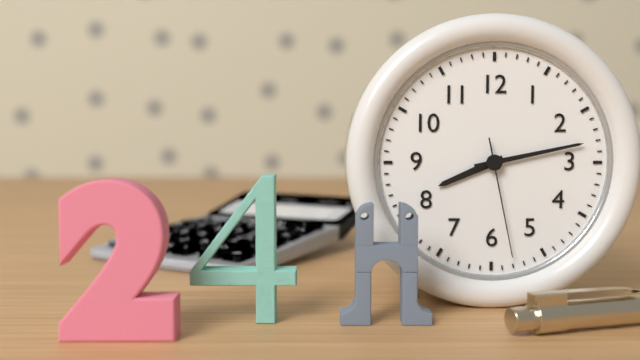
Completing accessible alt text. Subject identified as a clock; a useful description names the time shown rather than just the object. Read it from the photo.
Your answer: 8:13:28
